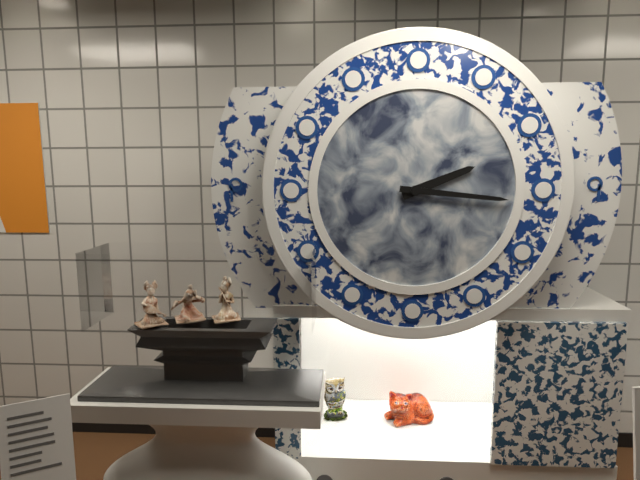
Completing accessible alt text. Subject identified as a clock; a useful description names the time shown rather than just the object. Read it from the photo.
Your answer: 2:16
